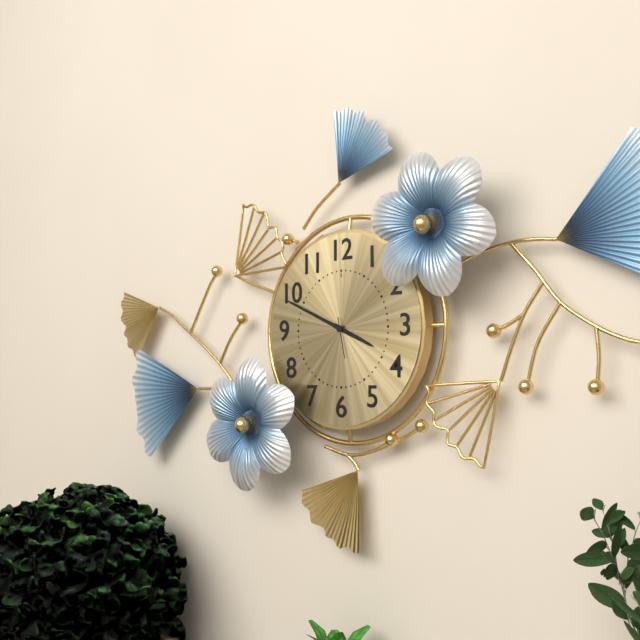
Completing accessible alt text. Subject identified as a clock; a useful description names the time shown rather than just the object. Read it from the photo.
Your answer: 3:49
